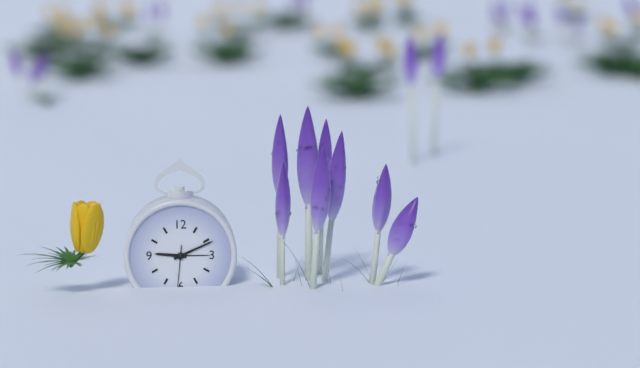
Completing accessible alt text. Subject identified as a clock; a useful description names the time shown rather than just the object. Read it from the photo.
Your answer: 9:11
